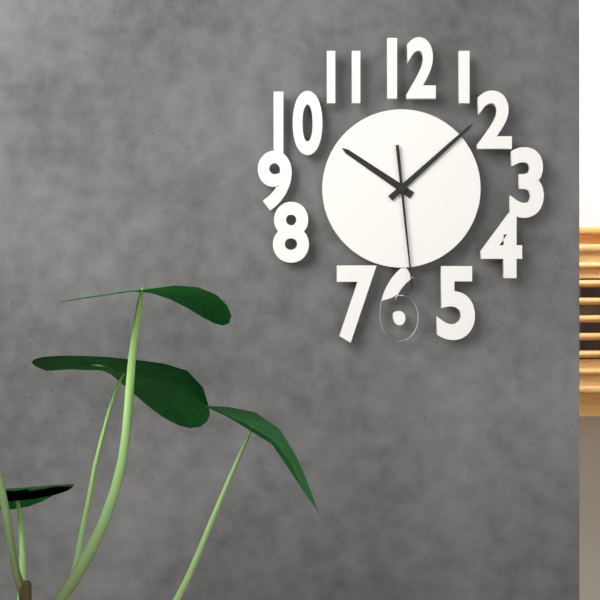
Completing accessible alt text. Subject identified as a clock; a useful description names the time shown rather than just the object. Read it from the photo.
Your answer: 10:08:29
